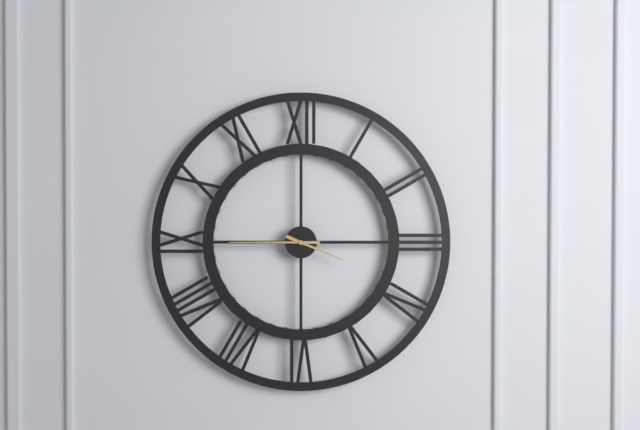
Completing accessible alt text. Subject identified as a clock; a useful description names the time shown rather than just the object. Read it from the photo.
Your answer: 3:45
